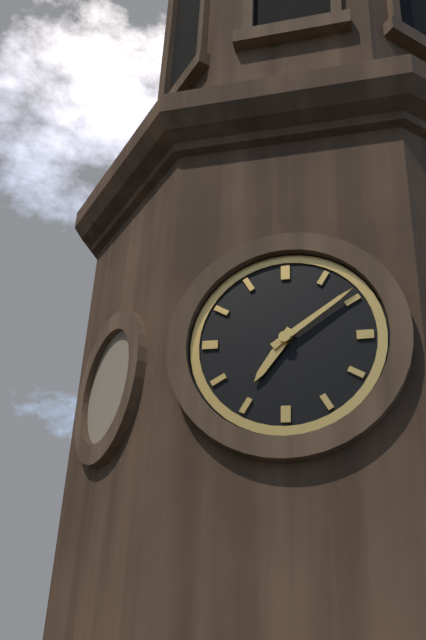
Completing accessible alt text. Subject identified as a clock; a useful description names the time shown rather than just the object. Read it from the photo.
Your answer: 7:09
